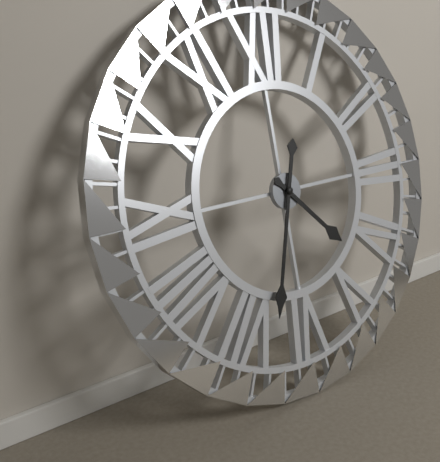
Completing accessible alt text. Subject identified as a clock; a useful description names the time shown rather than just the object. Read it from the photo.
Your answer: 4:33
